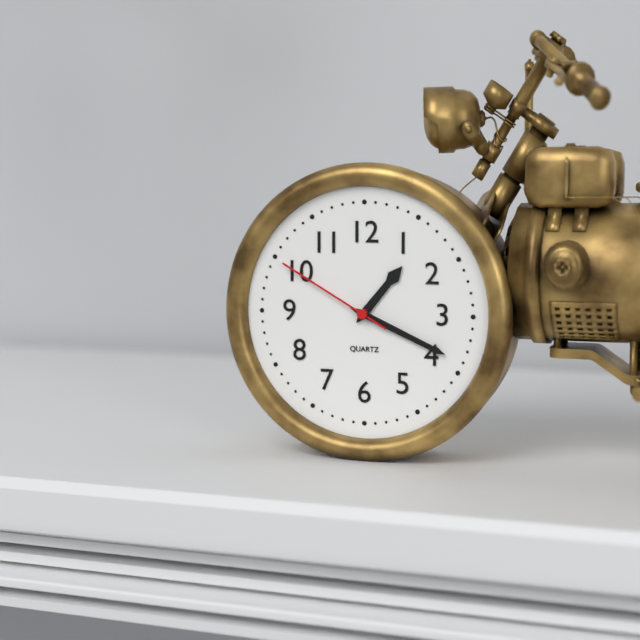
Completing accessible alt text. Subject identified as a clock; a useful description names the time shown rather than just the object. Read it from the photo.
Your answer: 1:19:50
